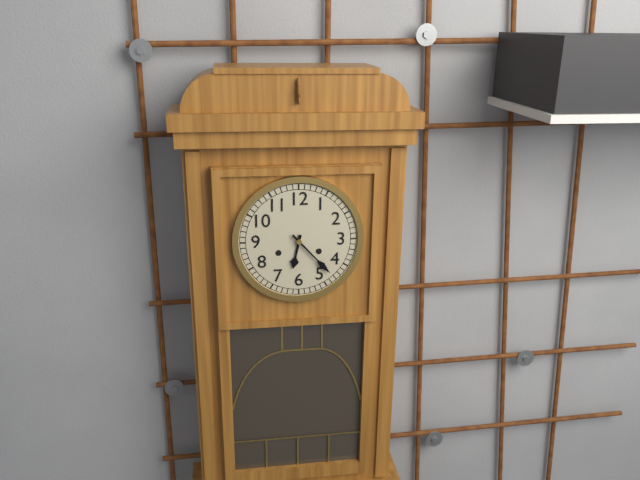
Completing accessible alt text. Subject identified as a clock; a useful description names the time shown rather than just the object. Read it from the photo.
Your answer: 6:23
